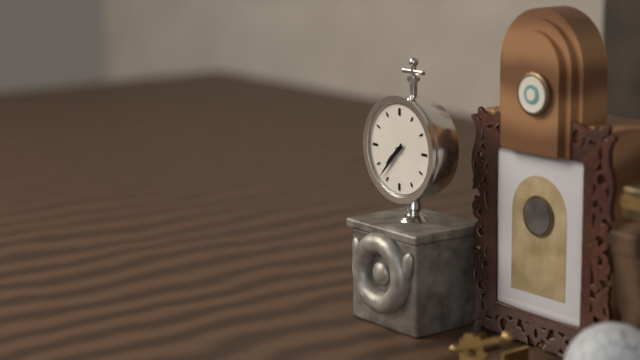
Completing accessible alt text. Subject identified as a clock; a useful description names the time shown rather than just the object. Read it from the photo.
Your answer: 7:37
